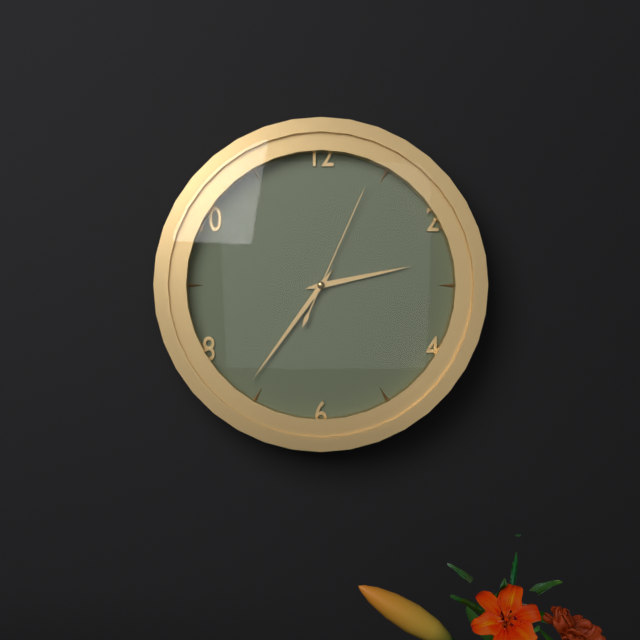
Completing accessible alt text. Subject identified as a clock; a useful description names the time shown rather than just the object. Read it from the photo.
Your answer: 2:36:04
